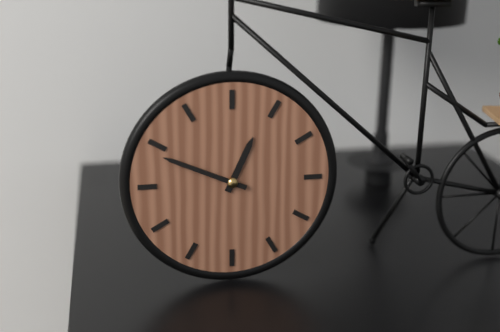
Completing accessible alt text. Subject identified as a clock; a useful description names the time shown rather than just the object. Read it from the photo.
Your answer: 12:49
